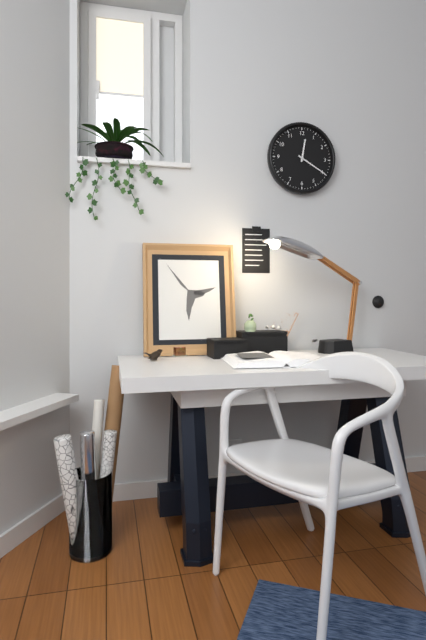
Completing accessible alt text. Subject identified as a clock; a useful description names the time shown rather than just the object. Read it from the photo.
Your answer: 12:20
